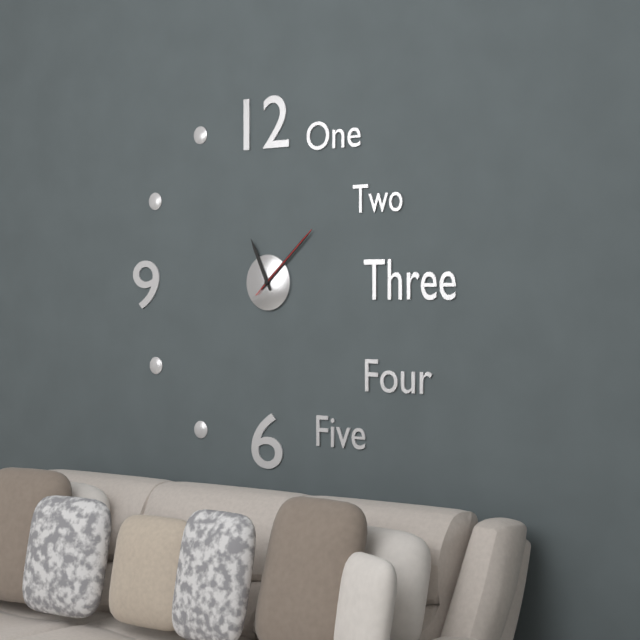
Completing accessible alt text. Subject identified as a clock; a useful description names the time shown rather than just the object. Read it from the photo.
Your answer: 11:08:08
